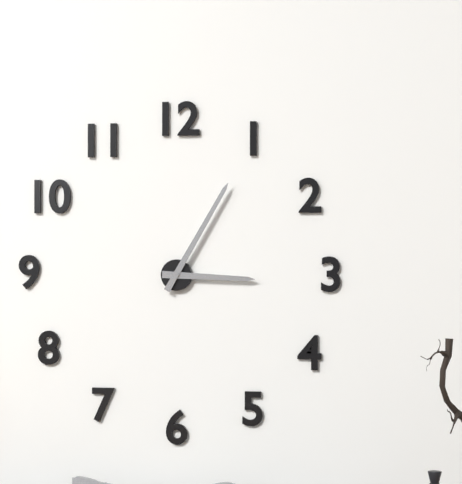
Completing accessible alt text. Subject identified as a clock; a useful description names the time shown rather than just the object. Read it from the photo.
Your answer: 3:05
